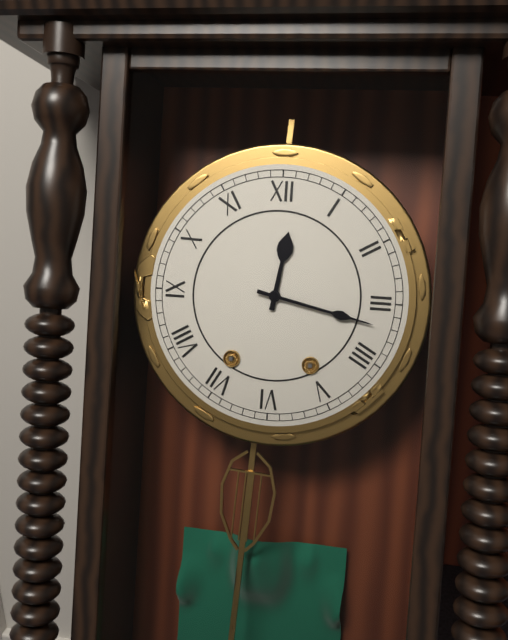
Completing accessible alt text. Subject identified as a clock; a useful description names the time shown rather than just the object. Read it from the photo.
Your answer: 12:17
